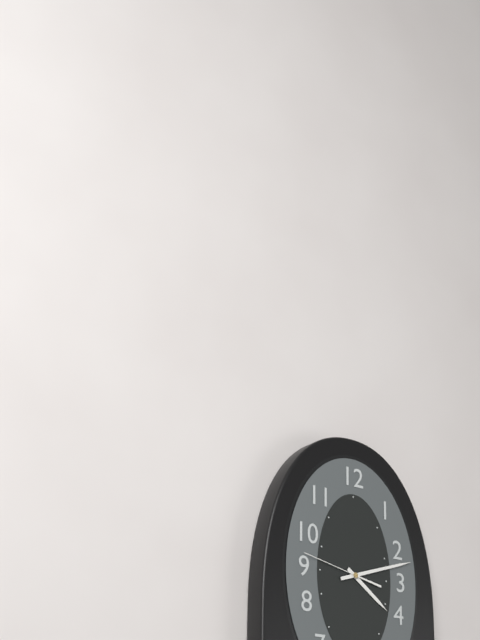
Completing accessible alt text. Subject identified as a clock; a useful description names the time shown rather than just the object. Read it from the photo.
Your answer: 4:12:47
